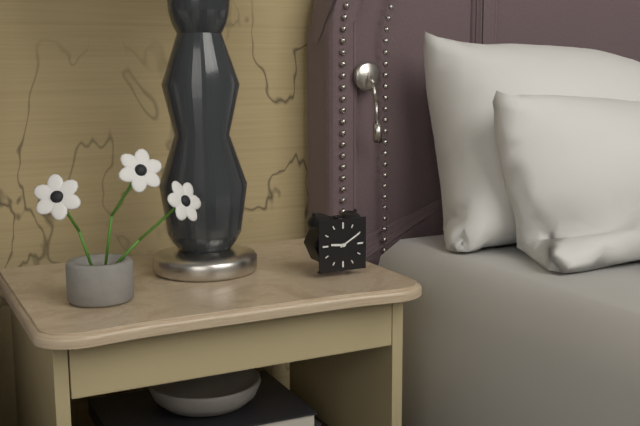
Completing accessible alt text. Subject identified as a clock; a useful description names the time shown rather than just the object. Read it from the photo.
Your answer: 9:10
